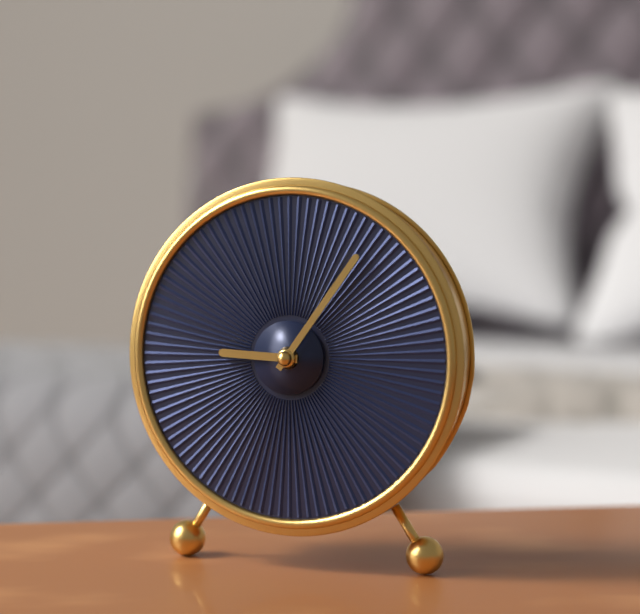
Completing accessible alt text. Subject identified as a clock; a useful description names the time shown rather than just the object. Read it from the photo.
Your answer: 9:06
